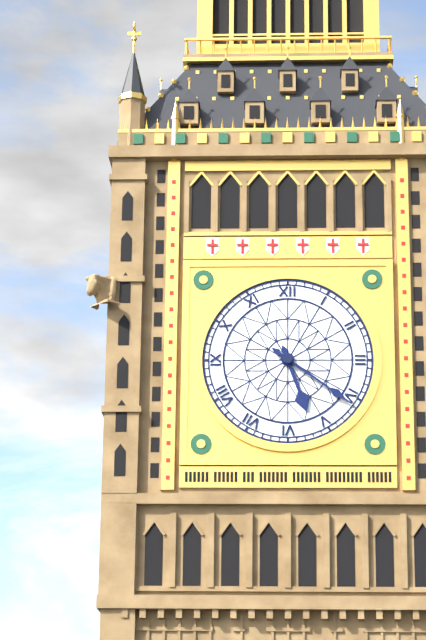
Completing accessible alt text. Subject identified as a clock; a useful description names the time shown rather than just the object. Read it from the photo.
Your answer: 5:21
